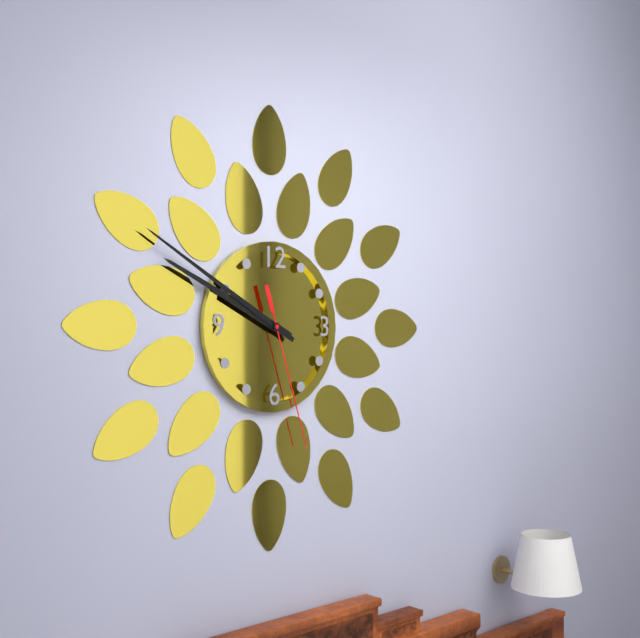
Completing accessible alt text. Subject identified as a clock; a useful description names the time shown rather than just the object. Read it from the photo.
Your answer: 9:50:27
